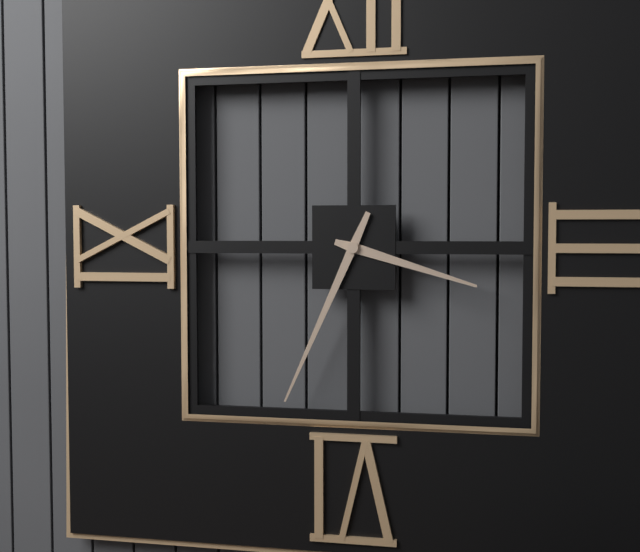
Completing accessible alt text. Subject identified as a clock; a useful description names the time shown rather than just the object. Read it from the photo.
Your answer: 3:34
